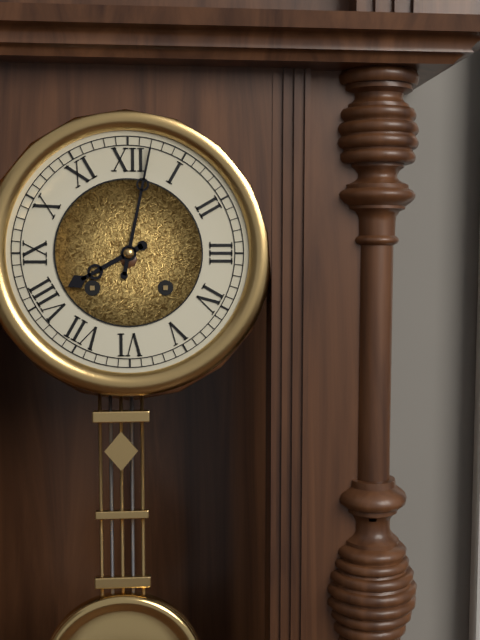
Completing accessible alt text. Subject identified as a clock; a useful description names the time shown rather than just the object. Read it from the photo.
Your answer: 8:02
